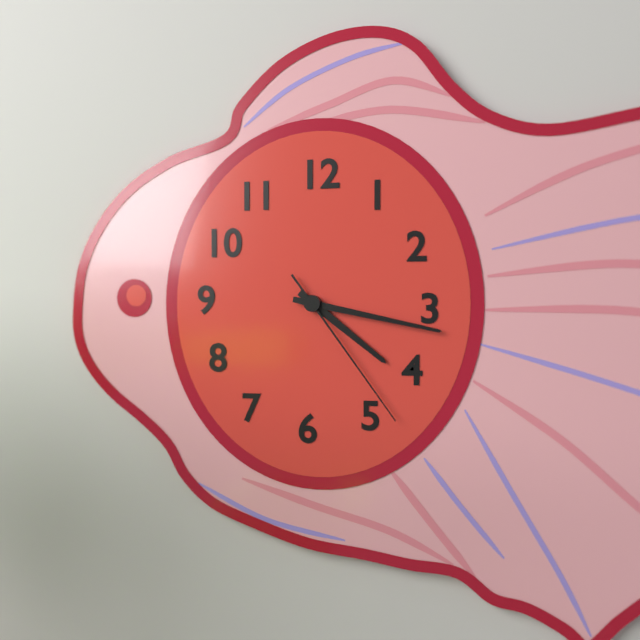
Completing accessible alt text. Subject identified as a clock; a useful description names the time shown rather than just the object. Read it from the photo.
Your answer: 4:17:24
